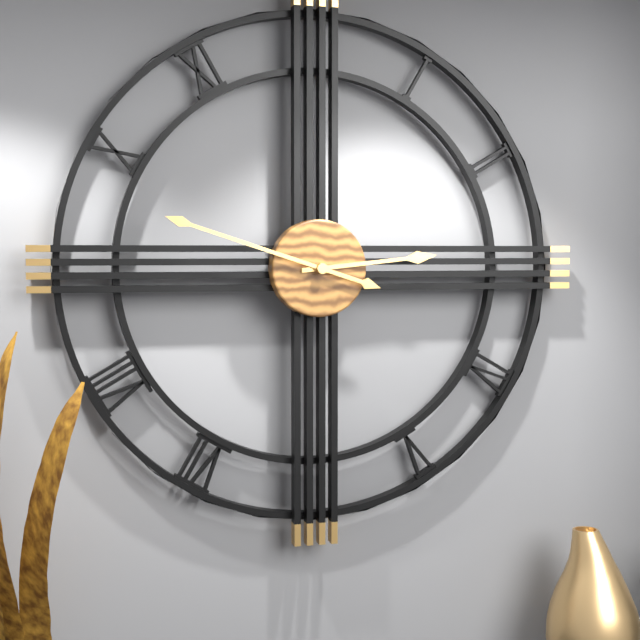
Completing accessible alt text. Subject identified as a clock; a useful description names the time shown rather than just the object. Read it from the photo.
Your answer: 2:48
